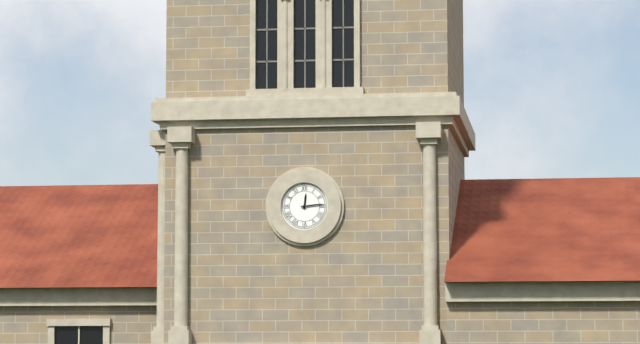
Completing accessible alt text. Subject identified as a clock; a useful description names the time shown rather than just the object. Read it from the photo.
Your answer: 12:14
